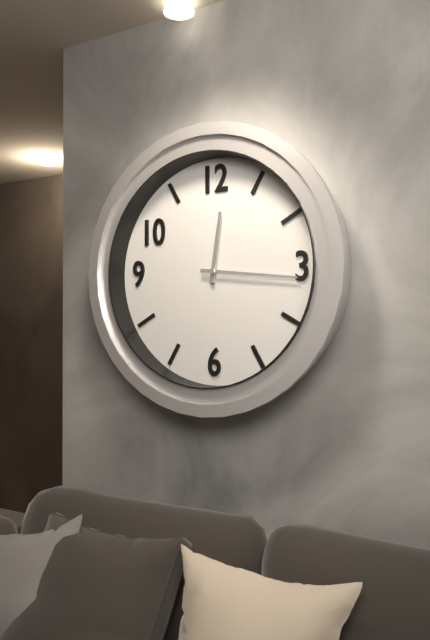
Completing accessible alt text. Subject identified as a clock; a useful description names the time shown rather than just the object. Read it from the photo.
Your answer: 12:16
